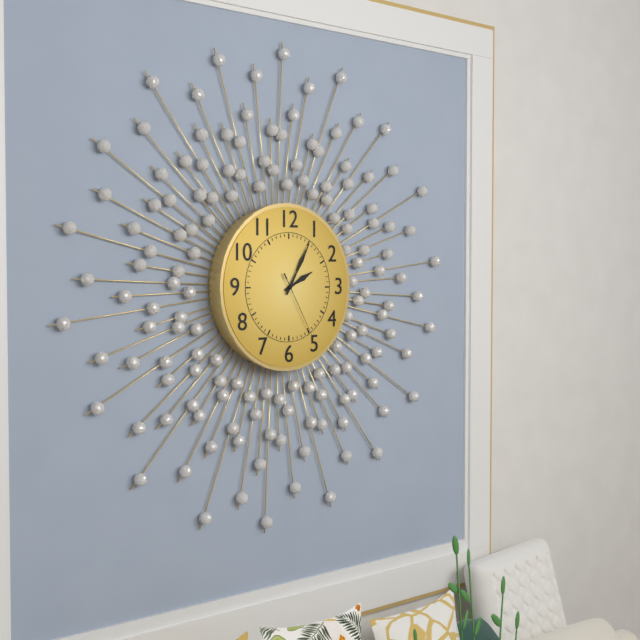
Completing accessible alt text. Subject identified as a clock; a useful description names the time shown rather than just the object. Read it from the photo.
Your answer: 2:05:25
